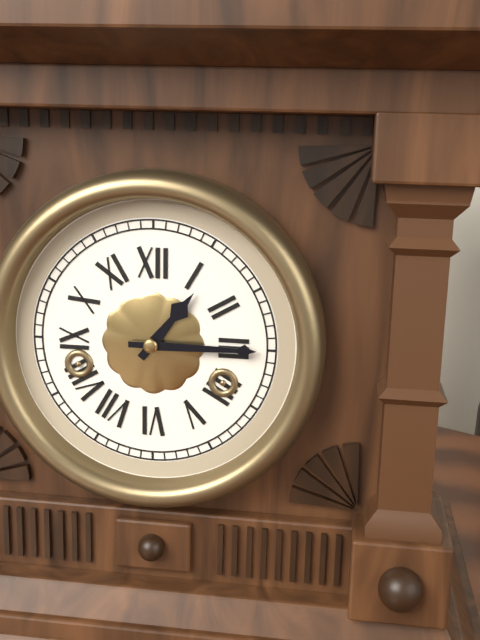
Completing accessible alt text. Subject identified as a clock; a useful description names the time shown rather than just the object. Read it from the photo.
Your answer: 1:15
